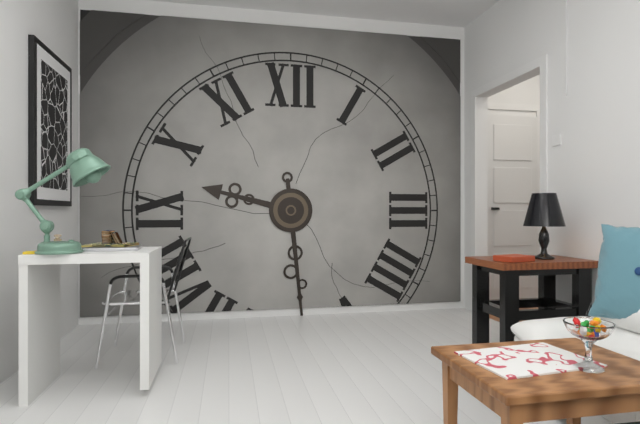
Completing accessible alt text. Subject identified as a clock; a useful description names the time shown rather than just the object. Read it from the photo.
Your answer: 9:29
